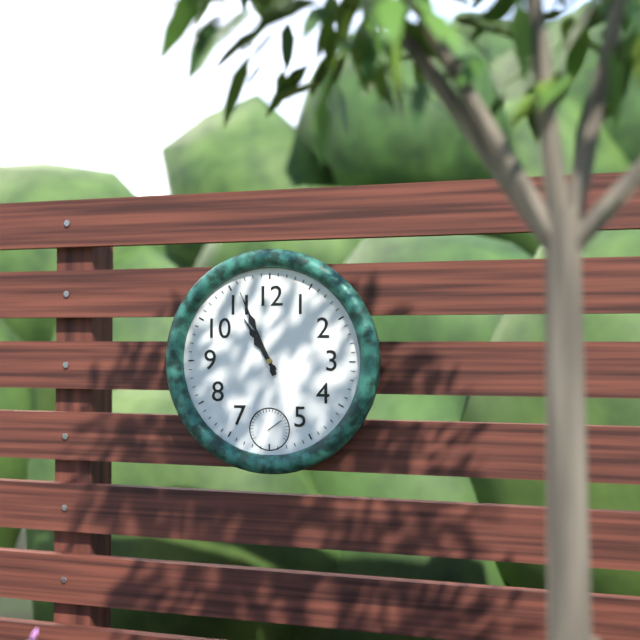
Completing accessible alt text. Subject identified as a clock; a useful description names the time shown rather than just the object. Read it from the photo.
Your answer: 10:56
